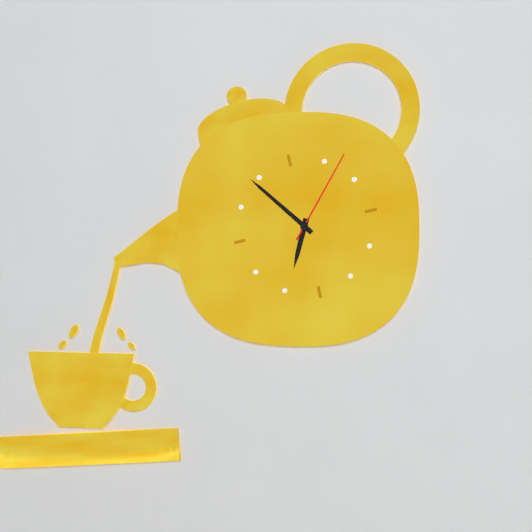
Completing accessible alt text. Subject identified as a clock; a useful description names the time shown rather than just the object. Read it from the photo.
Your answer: 6:54:07
